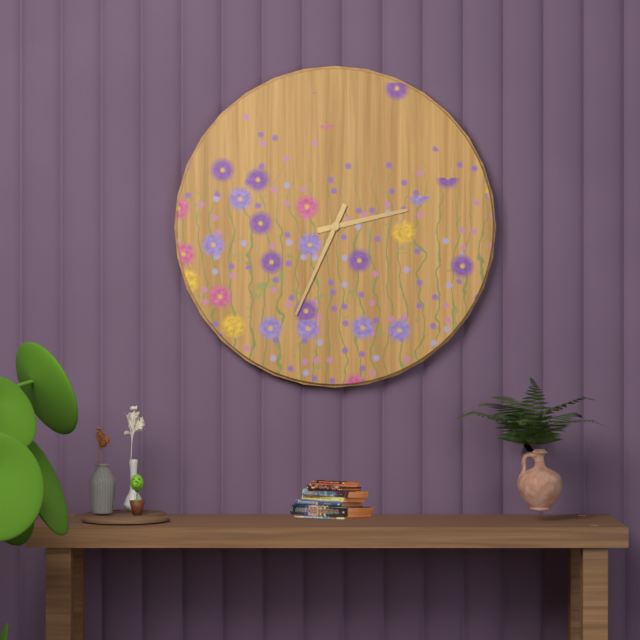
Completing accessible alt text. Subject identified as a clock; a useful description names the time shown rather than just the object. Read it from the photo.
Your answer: 2:34
